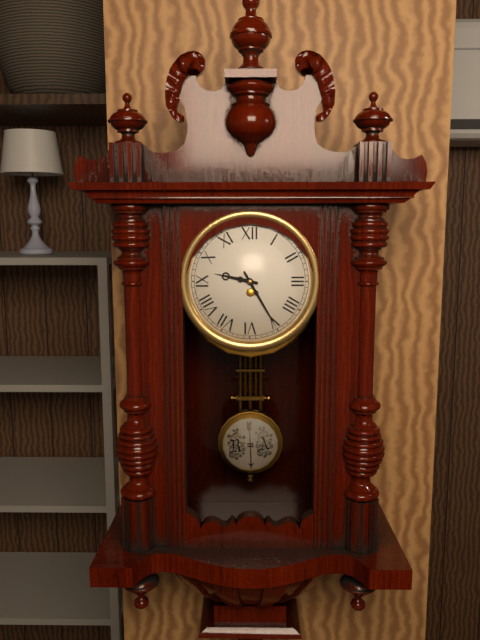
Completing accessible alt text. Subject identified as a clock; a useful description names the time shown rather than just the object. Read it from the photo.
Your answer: 9:25
